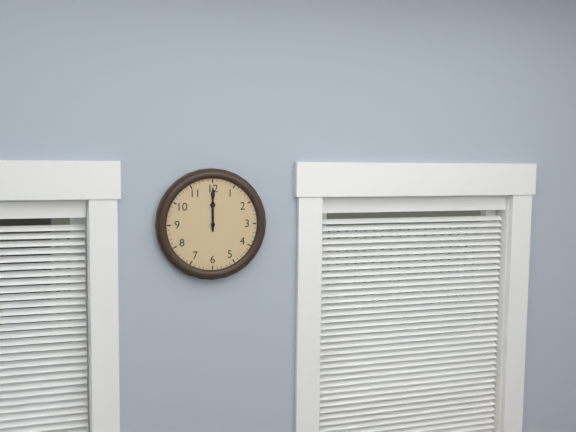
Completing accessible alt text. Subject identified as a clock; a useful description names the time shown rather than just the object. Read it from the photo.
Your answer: 12:00
